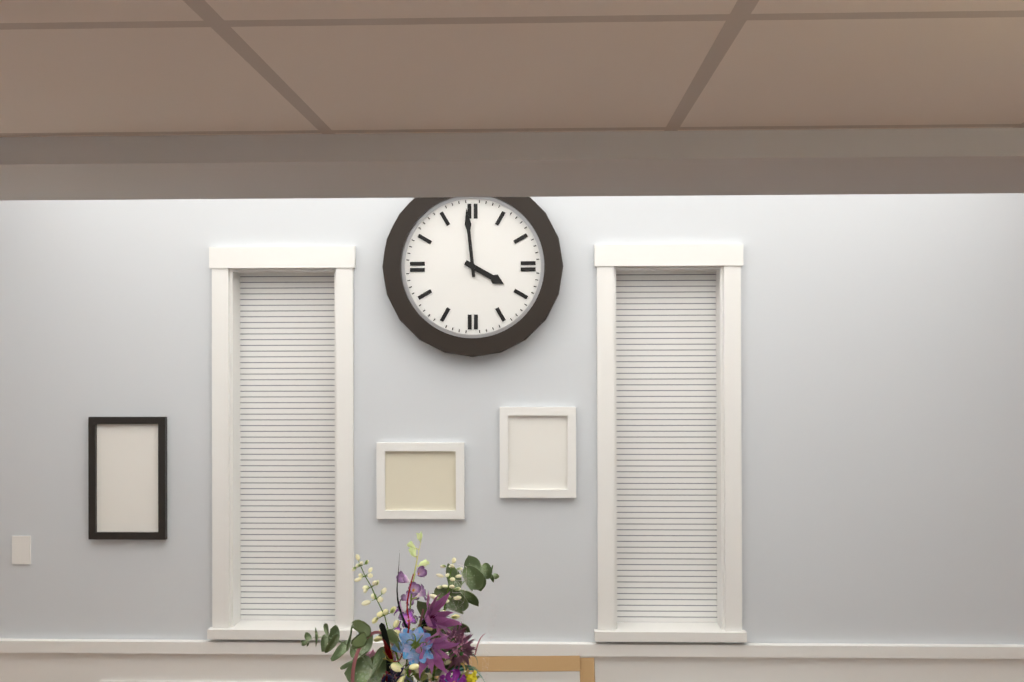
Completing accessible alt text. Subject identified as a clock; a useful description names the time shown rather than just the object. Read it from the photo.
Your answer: 3:59
